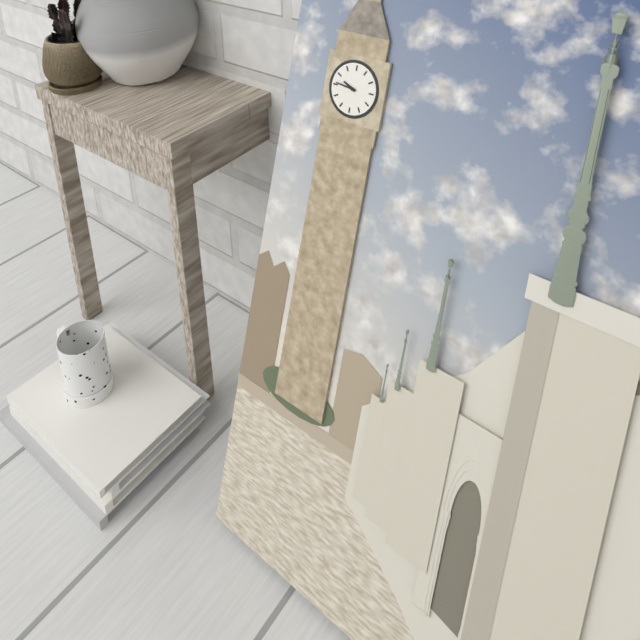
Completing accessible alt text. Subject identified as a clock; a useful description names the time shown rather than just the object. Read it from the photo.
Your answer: 9:46
